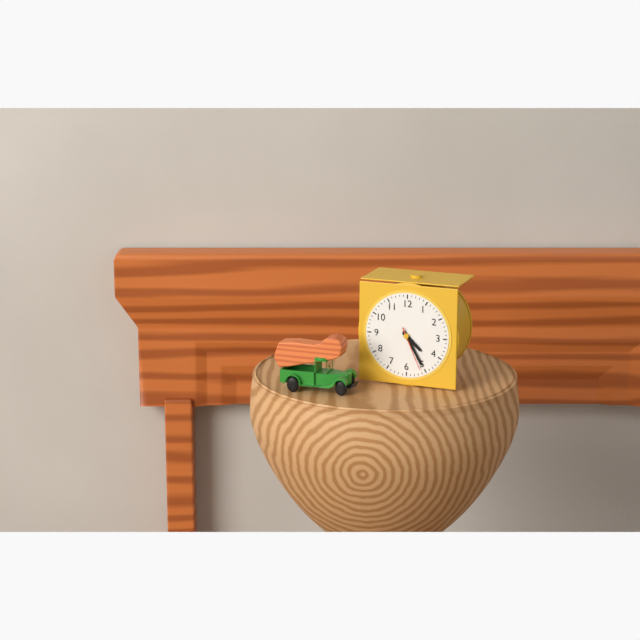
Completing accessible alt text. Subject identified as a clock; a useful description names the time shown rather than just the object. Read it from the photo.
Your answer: 4:25
